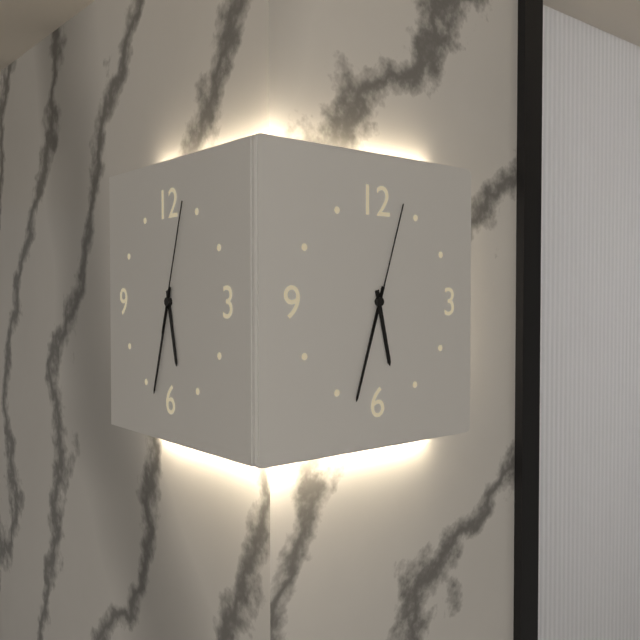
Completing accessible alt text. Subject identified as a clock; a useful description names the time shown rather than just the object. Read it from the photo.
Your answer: 5:33:03
